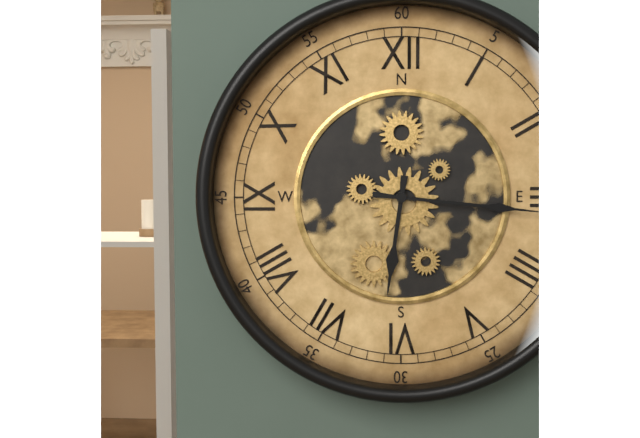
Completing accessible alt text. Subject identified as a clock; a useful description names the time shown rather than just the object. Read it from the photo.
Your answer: 6:16
